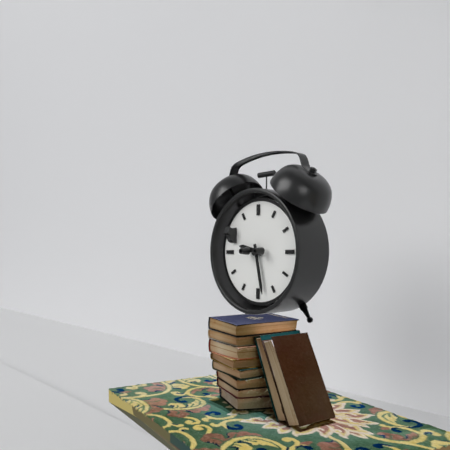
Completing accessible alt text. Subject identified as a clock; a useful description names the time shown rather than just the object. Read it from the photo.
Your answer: 9:28
